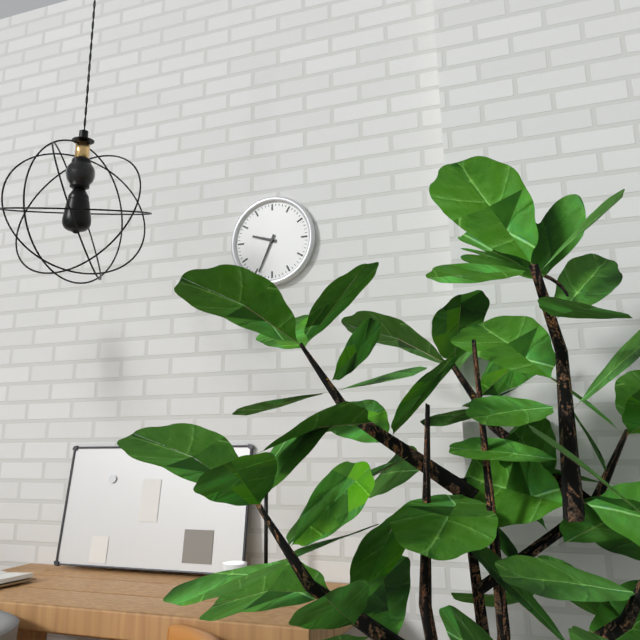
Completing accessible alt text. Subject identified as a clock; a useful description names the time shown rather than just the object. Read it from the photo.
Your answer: 9:34
